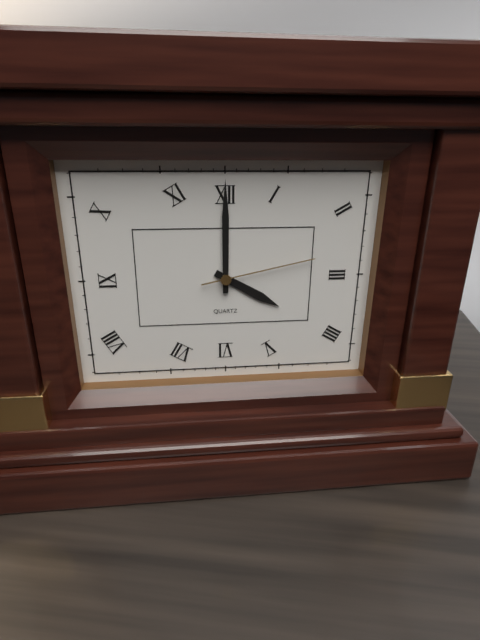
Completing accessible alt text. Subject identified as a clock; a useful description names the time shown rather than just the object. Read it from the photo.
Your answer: 4:00:13
